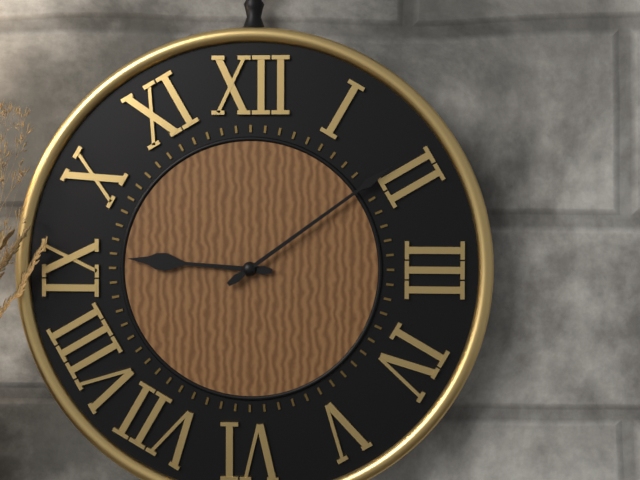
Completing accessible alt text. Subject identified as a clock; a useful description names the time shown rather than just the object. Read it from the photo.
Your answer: 9:09
